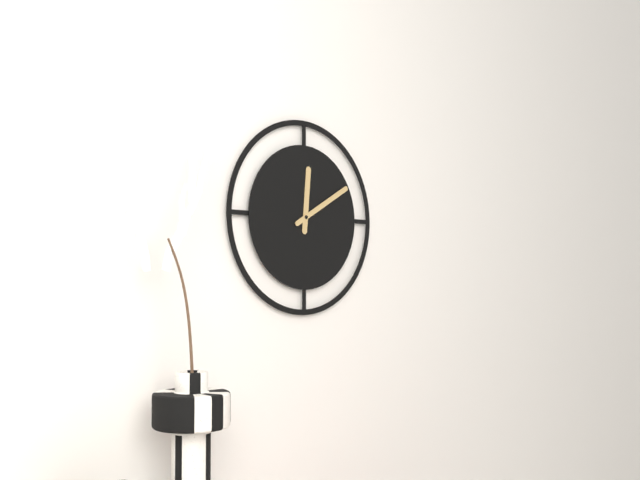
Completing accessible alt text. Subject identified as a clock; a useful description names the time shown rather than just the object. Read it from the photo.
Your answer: 12:10
